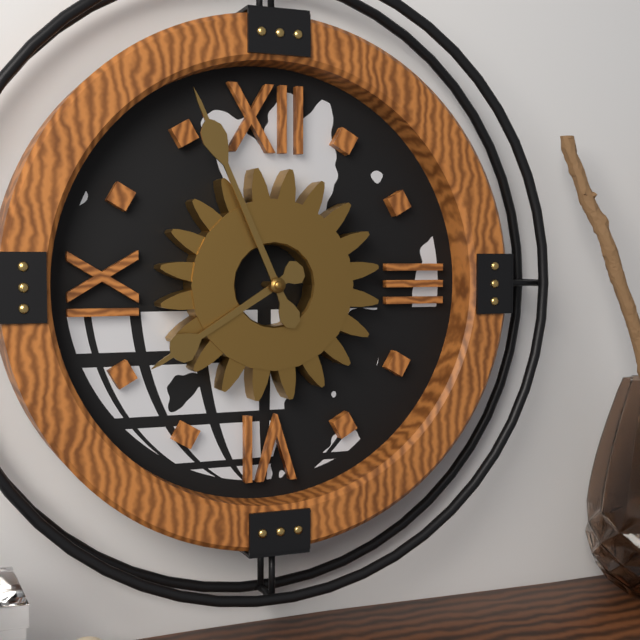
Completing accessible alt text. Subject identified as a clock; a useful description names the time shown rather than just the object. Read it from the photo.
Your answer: 7:56
